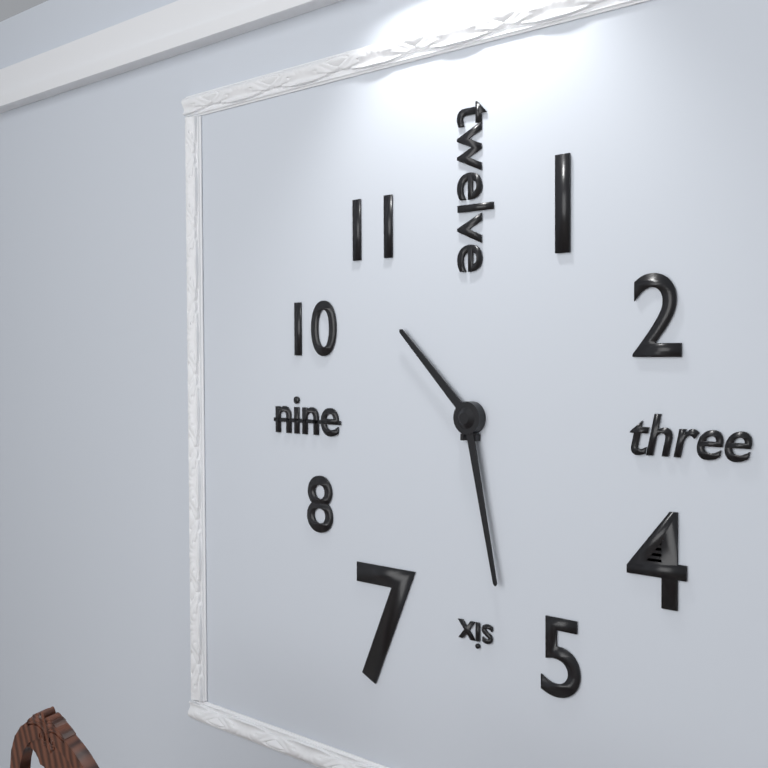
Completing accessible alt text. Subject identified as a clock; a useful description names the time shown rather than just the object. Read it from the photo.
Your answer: 10:28
